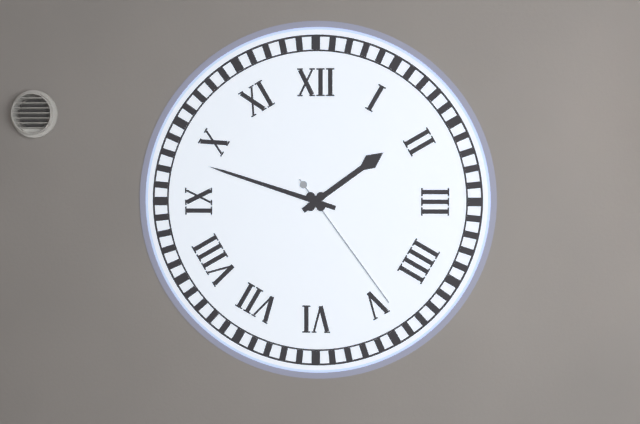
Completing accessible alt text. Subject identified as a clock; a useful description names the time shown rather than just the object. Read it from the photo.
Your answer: 1:48:24
